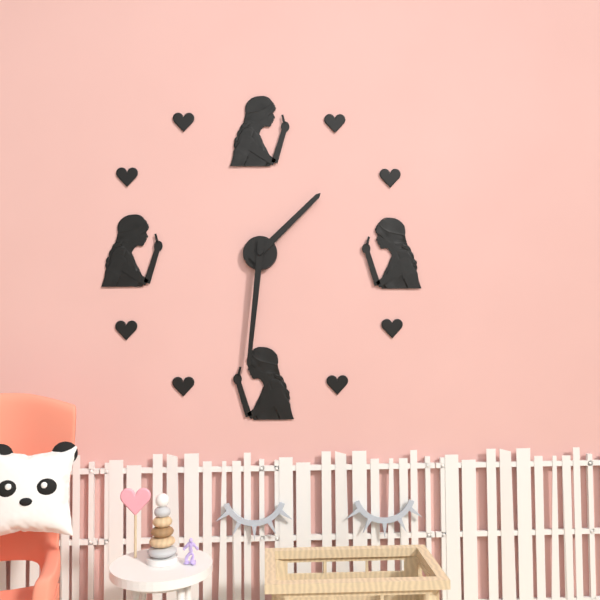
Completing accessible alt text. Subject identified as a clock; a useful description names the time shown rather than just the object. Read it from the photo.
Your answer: 1:31
